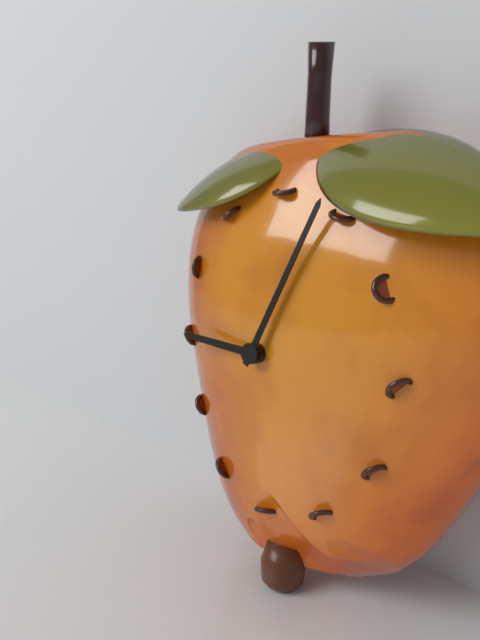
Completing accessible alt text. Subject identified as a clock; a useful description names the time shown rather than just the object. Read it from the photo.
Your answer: 9:04
